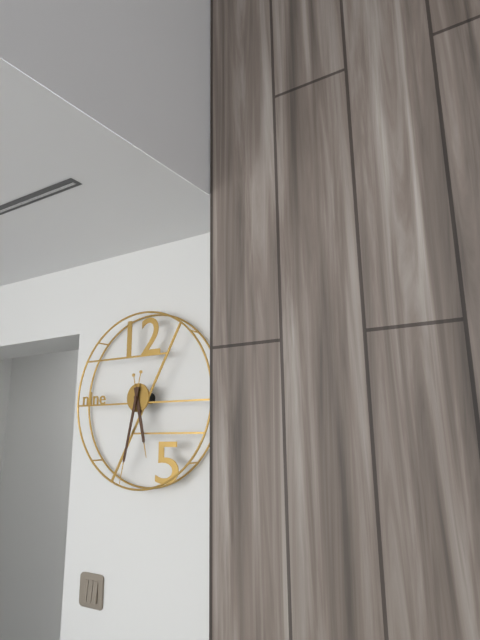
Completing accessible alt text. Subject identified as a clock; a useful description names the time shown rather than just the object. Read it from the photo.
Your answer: 5:32
